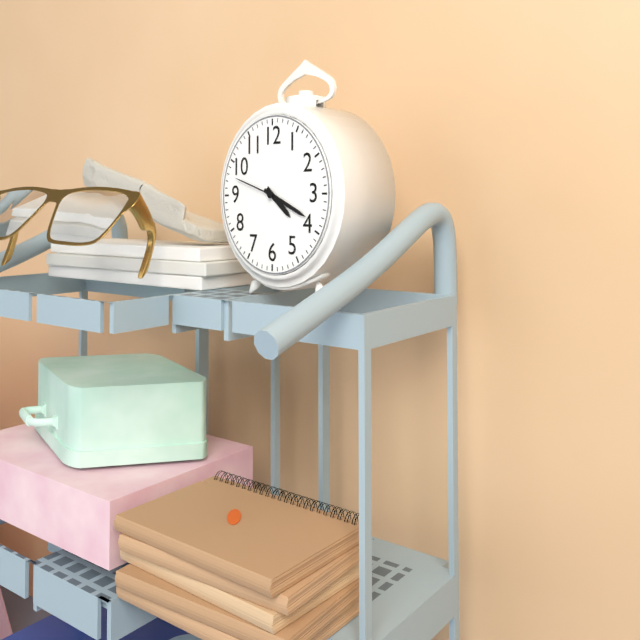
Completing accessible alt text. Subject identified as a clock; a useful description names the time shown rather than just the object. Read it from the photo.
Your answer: 4:19:48
